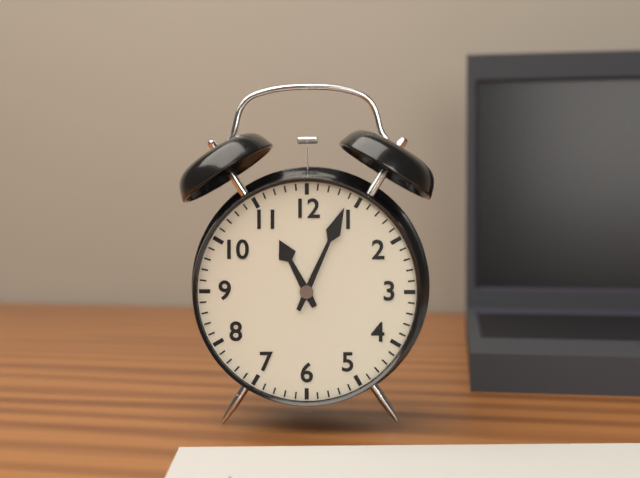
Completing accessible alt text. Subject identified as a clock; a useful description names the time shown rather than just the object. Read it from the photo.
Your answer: 11:04
